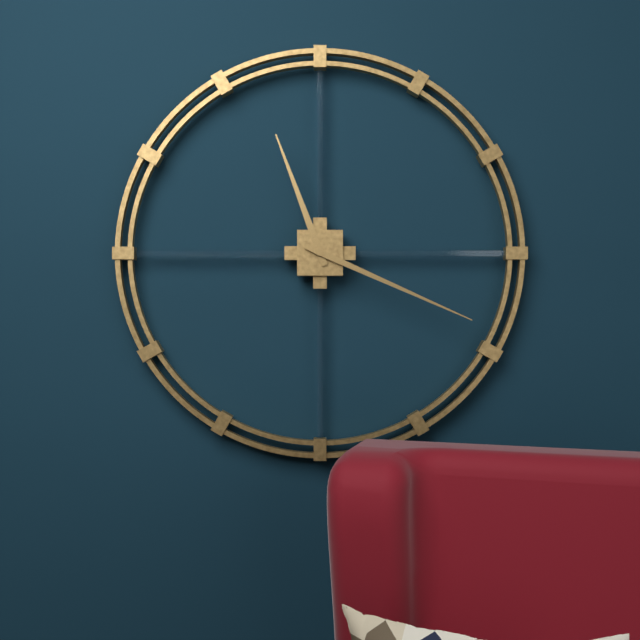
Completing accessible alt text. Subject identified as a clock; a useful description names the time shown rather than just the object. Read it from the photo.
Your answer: 11:19
